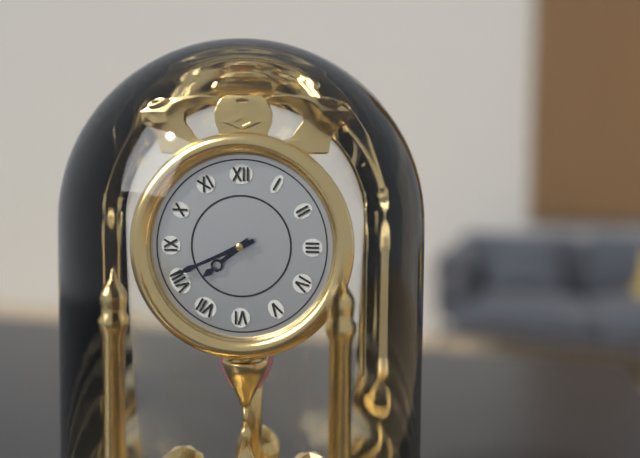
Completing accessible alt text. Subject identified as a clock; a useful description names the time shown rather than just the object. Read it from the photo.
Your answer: 7:41
